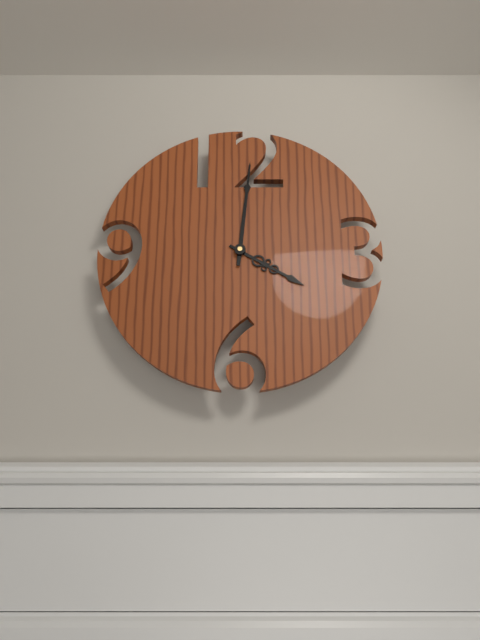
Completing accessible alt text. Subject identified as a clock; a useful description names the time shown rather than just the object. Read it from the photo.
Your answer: 4:01
